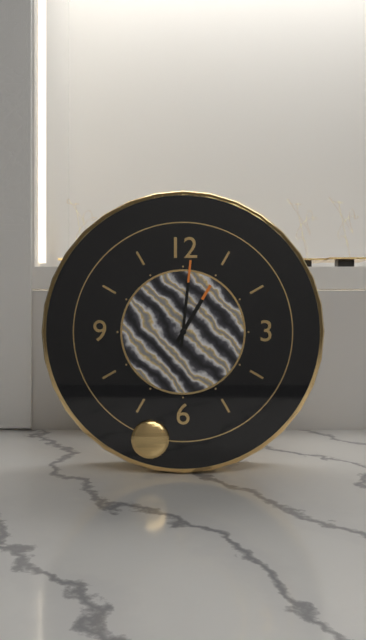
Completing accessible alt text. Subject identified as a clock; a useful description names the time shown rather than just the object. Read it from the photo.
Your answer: 1:01
